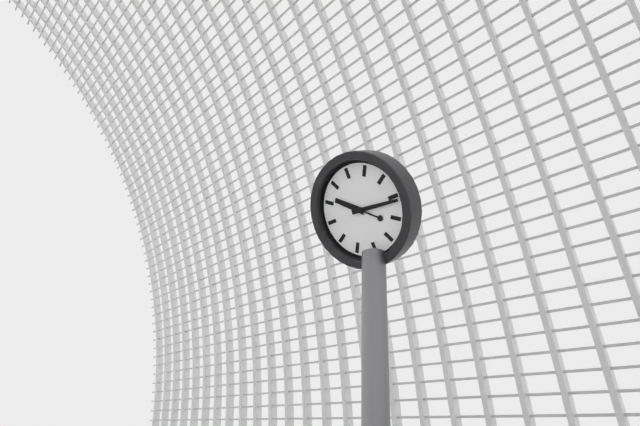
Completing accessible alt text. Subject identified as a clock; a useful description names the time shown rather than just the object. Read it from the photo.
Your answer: 10:16
